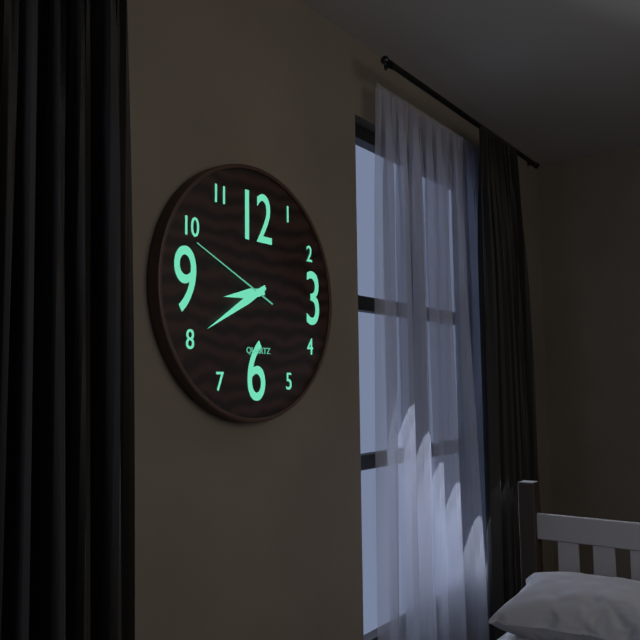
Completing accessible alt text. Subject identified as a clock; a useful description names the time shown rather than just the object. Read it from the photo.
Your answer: 8:40:49
